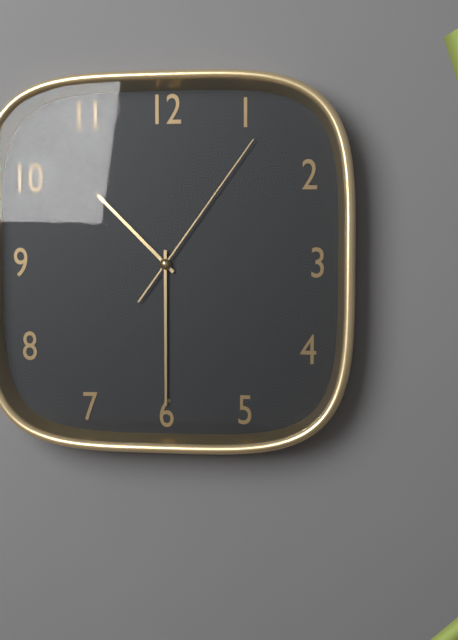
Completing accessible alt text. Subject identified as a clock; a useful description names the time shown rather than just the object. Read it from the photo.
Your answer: 10:30:06
